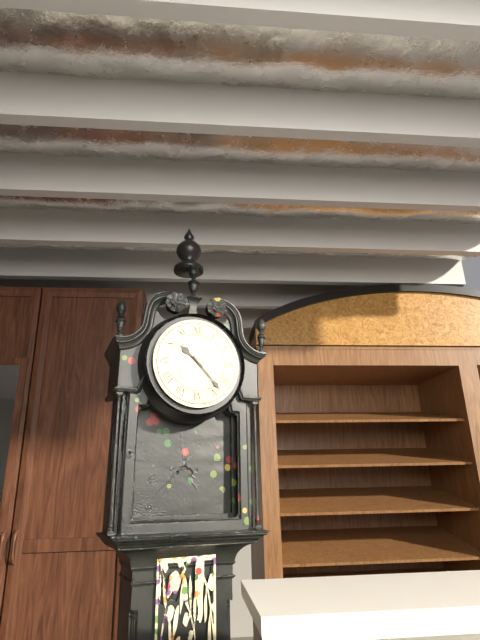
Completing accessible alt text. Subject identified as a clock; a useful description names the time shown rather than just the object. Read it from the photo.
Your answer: 10:23
